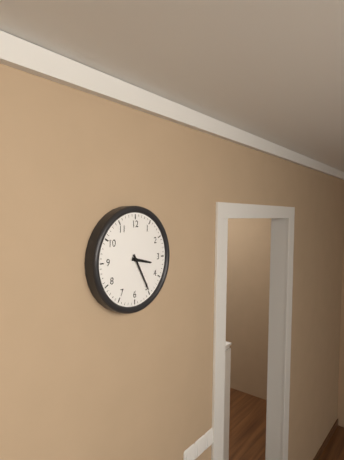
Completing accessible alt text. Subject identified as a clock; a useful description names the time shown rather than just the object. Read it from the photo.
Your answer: 3:25
